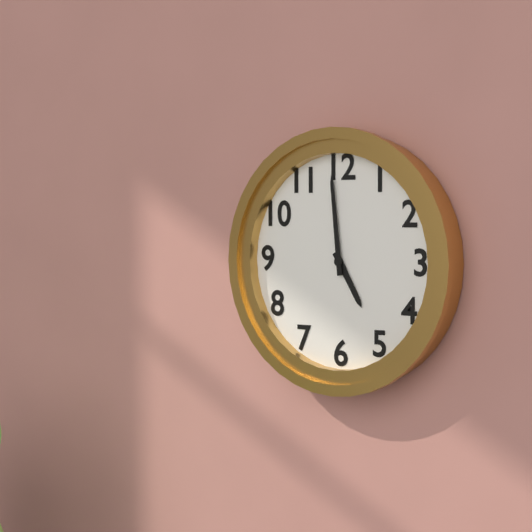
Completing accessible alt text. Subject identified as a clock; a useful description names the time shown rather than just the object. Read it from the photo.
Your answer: 4:59
